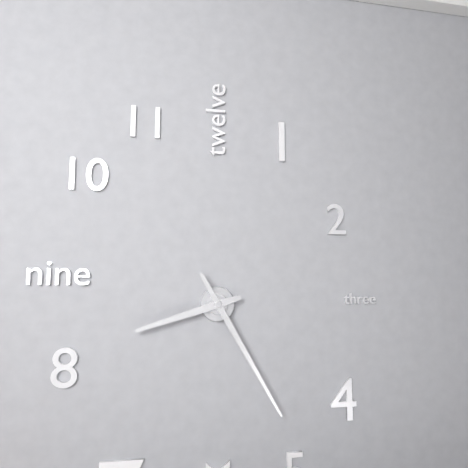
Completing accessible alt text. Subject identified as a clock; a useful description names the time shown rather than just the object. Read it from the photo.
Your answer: 8:25
